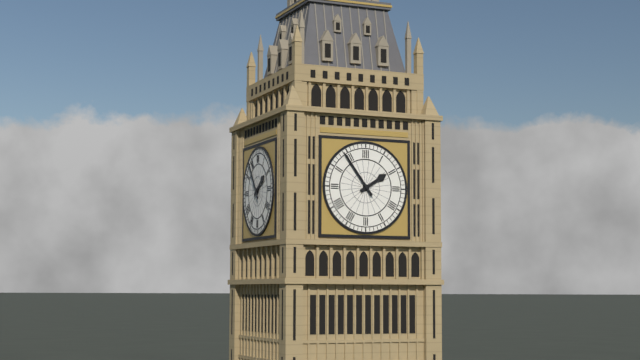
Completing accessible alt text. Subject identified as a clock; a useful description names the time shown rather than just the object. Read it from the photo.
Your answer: 1:54
